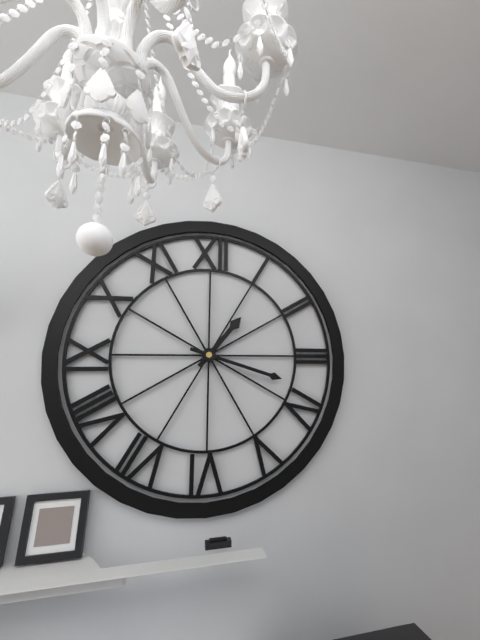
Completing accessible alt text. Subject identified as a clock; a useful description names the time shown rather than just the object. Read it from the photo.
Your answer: 1:18
